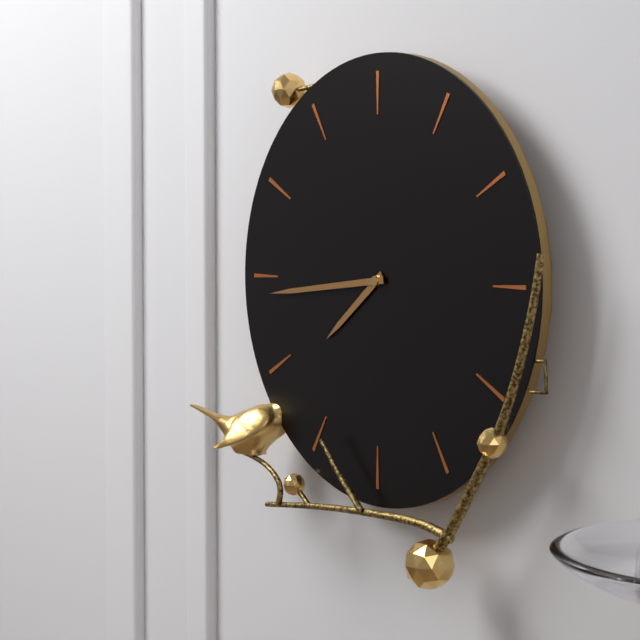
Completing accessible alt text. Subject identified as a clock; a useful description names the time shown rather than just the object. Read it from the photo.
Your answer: 7:44
